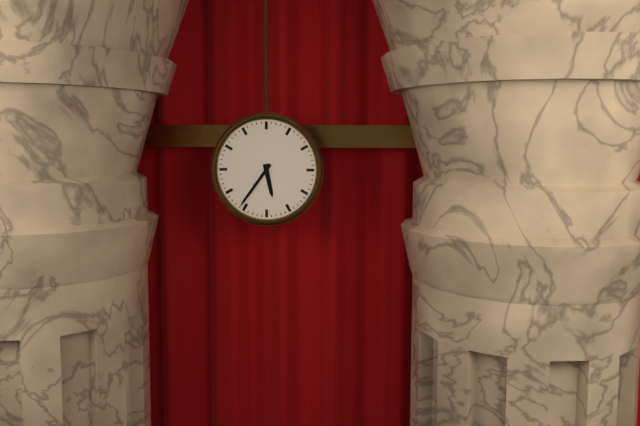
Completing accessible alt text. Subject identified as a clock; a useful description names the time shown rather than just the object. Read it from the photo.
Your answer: 5:36
